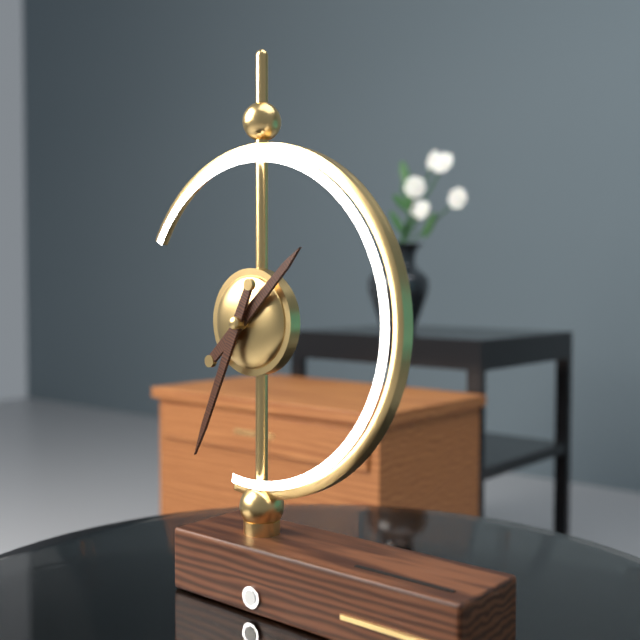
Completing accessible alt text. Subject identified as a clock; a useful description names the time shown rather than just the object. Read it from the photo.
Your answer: 1:34
